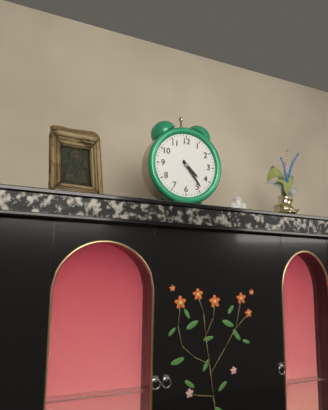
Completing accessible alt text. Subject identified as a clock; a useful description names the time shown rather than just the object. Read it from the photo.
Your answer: 4:24
